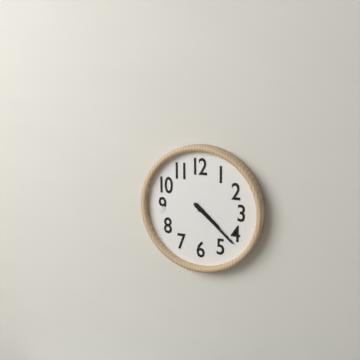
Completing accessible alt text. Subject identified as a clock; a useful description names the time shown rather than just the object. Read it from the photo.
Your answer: 4:22
